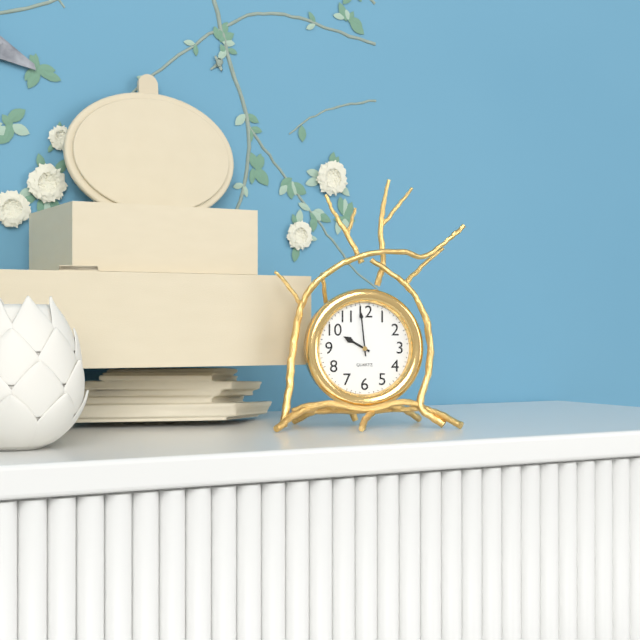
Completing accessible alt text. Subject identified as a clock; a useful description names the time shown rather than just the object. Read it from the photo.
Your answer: 9:59
